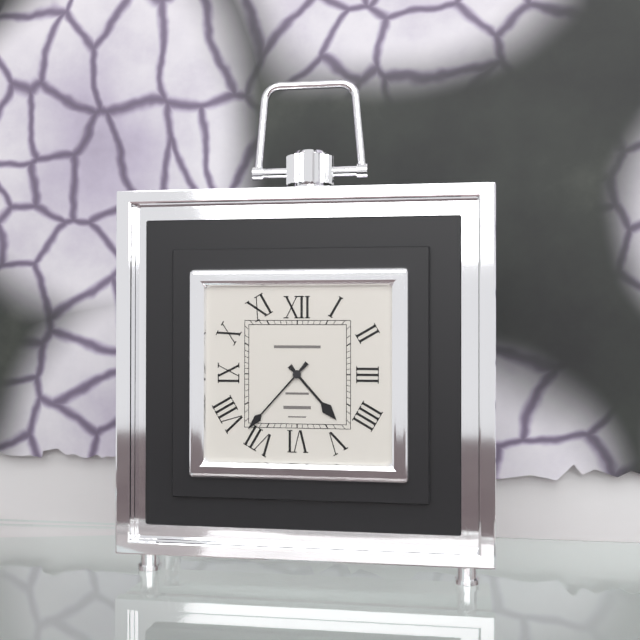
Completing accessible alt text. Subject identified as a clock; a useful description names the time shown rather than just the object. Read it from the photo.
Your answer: 4:37
